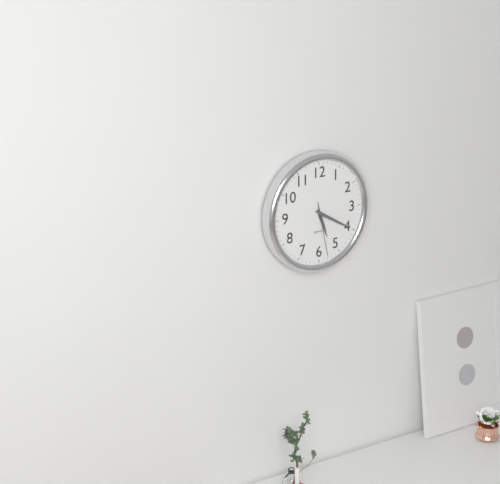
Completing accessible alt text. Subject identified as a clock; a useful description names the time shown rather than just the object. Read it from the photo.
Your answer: 5:20:28
